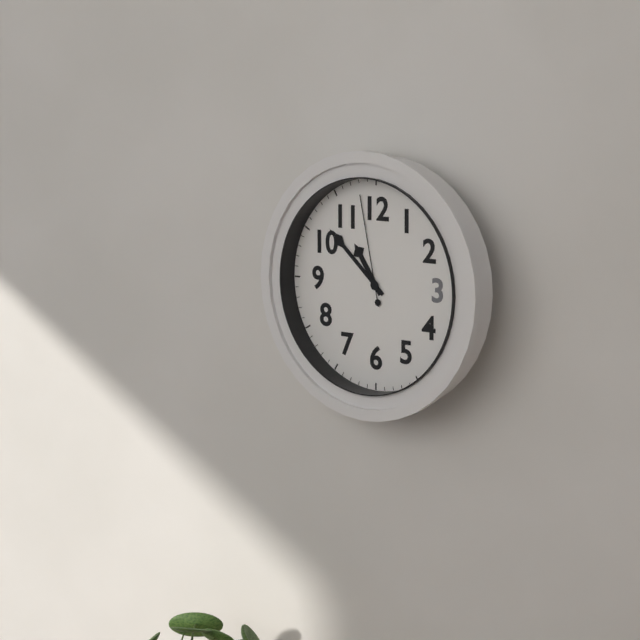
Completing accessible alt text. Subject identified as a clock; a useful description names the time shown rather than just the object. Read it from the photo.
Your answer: 10:52:58
